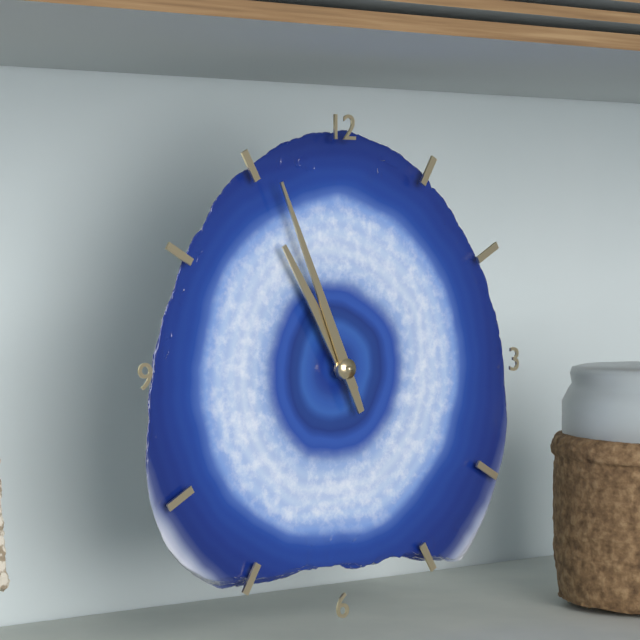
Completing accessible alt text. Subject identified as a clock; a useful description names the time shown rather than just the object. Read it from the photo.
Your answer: 10:56
